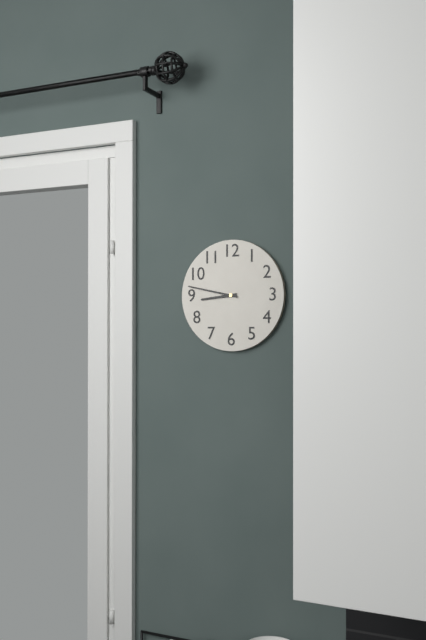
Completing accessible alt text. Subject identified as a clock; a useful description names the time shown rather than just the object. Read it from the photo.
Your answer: 8:47
